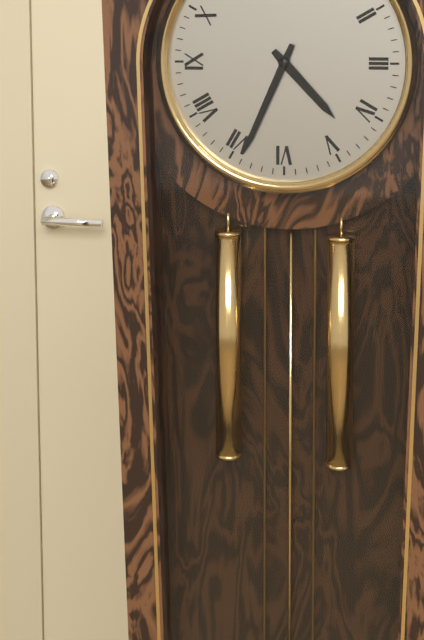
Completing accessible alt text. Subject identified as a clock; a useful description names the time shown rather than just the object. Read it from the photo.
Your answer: 4:34
